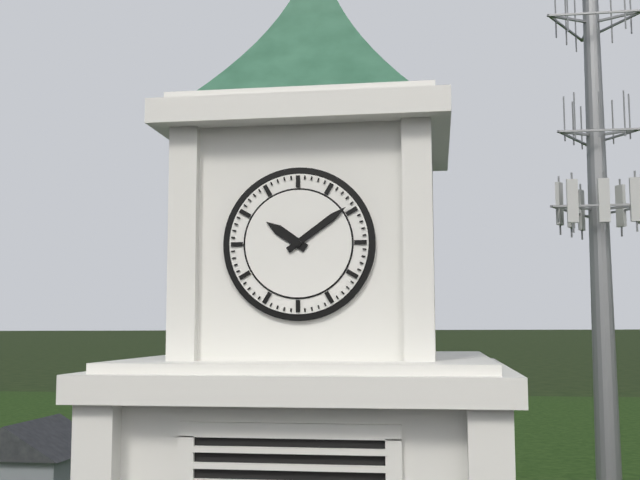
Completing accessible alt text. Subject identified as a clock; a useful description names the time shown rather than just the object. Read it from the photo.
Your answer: 10:09
